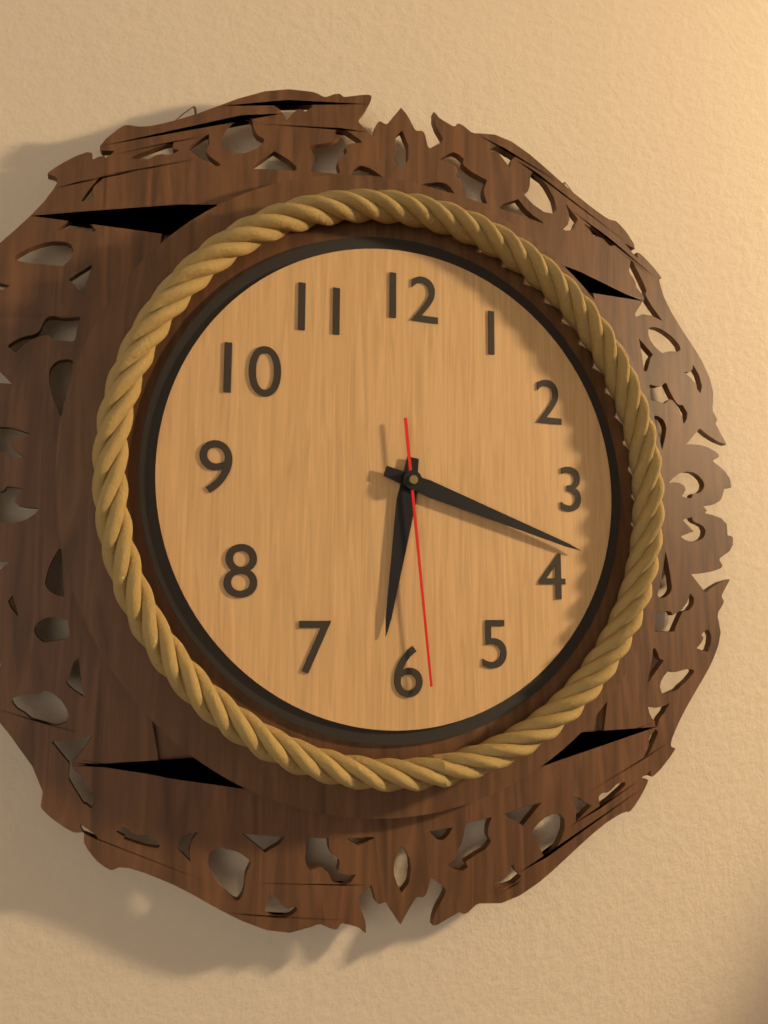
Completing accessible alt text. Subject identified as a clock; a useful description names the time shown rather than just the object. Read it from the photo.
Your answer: 6:18:29
